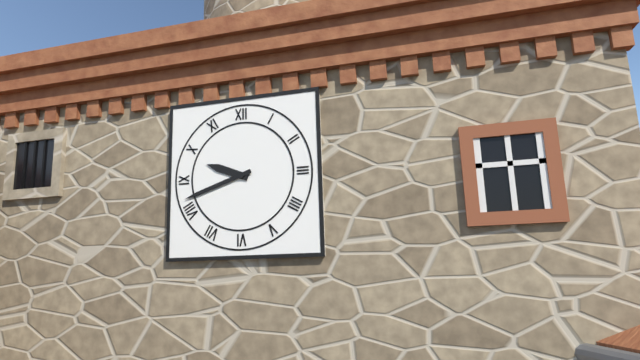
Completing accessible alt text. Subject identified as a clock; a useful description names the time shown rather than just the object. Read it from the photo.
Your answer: 9:42
